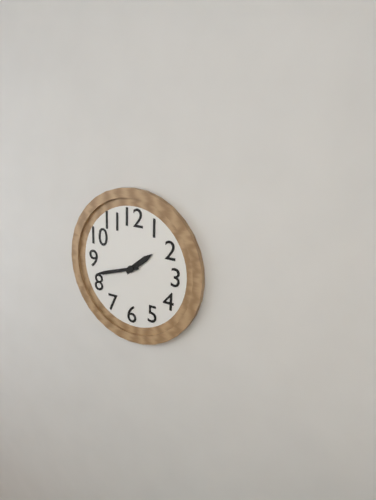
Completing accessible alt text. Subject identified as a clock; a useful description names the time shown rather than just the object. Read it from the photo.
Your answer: 1:42
